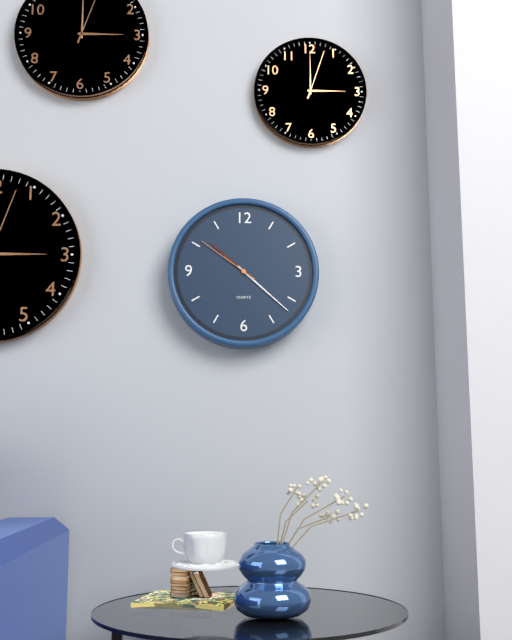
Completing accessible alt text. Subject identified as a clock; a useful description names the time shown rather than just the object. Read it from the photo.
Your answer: 10:22:51
